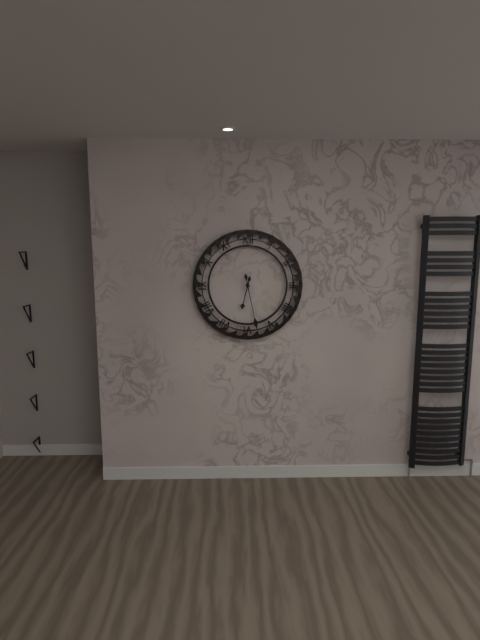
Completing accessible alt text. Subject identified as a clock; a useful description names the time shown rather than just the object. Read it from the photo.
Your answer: 6:28
